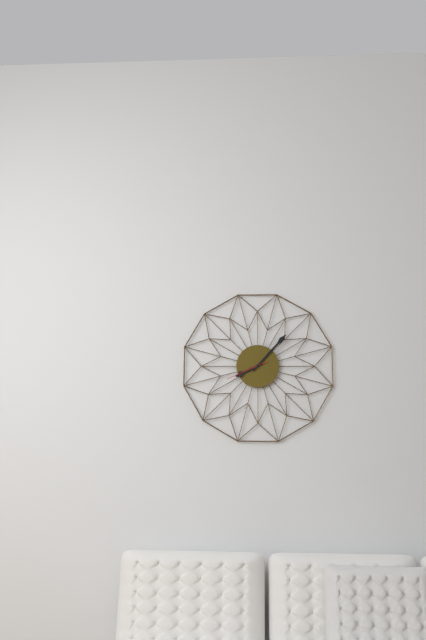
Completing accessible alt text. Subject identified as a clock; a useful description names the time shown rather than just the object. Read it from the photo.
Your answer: 8:07
